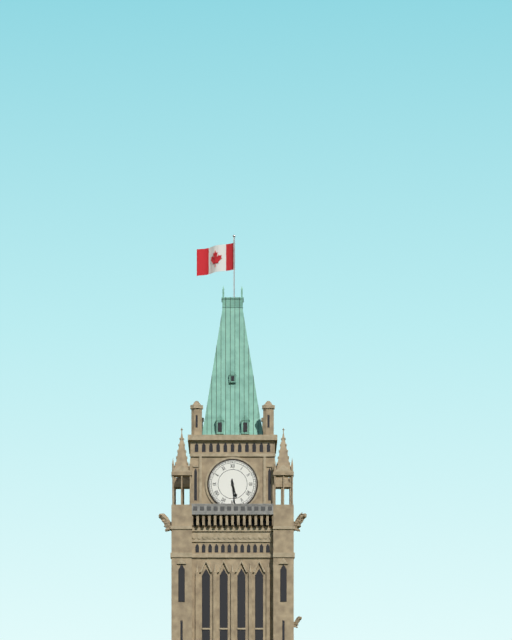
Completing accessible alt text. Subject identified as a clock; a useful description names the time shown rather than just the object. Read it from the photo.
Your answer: 5:29
